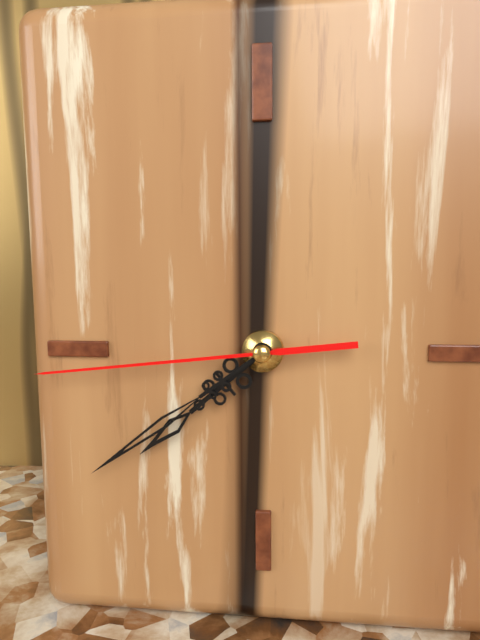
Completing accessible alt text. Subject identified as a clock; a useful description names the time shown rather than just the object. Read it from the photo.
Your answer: 7:39:44
